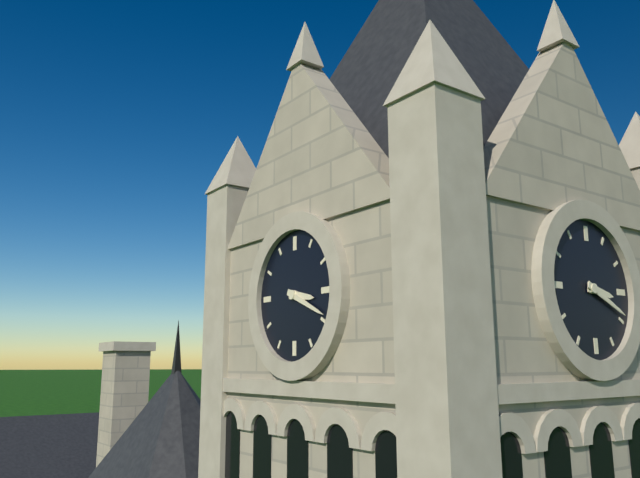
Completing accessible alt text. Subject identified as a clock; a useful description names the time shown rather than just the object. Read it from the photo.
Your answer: 3:19
